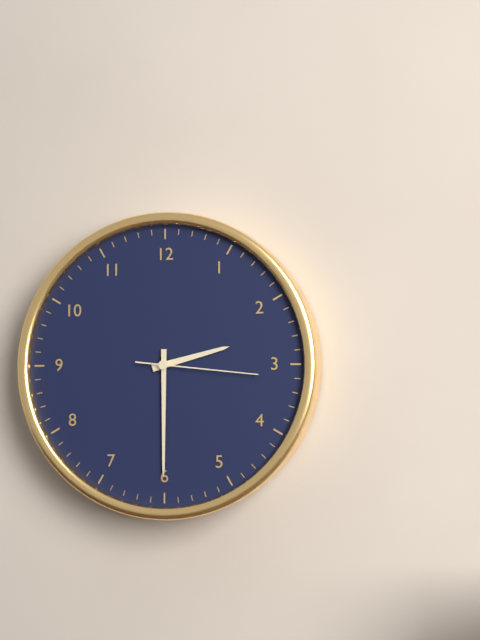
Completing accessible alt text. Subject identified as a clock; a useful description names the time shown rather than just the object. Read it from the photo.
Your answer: 2:30:16
